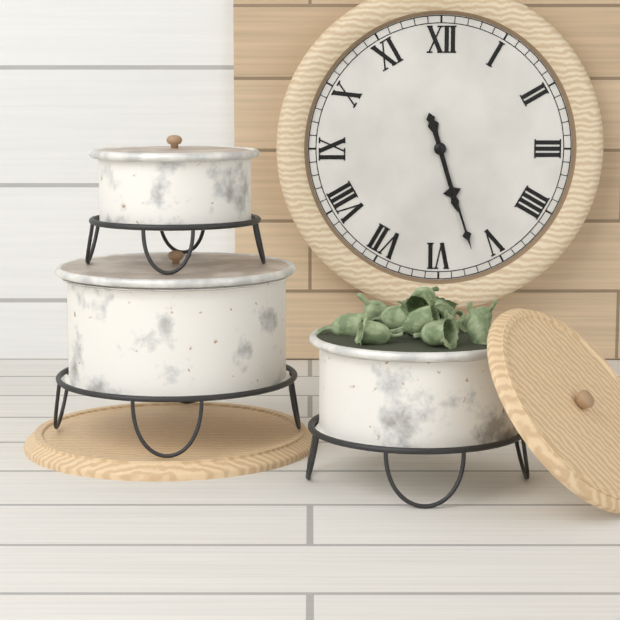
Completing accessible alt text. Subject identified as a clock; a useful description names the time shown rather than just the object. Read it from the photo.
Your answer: 5:27
